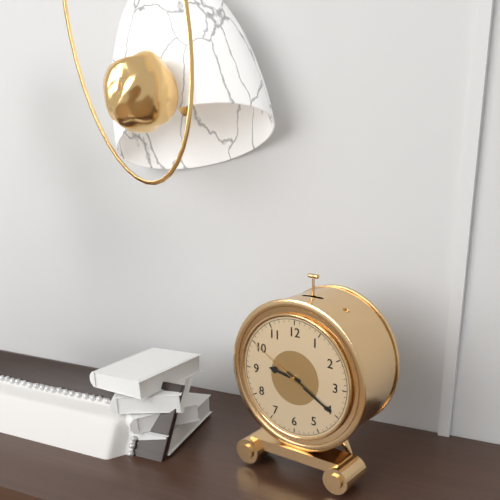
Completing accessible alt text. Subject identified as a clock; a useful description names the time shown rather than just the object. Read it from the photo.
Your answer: 9:20:50
